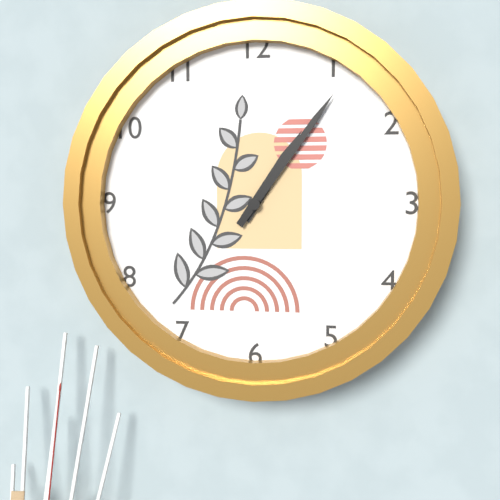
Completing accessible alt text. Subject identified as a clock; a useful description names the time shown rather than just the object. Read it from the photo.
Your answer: 1:06
